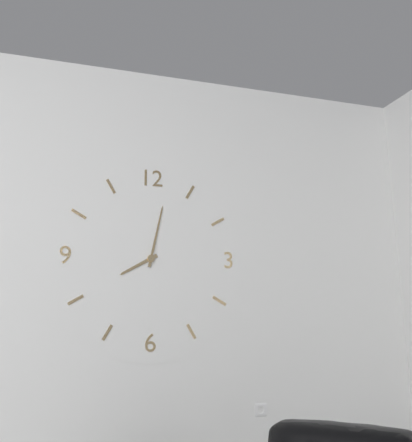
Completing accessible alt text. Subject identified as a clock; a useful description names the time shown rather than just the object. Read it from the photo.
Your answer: 8:02
